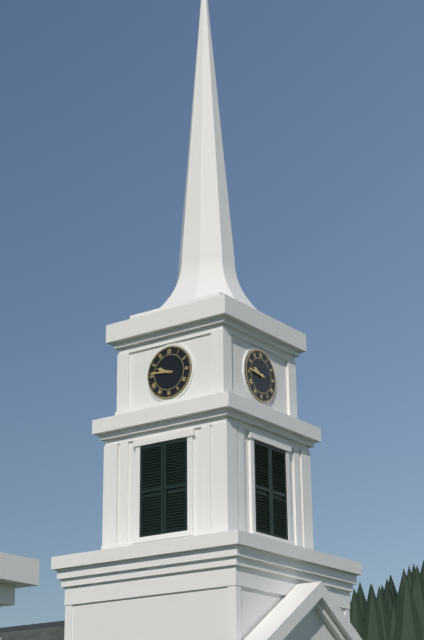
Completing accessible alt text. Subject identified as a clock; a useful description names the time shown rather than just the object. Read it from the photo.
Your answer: 9:46
